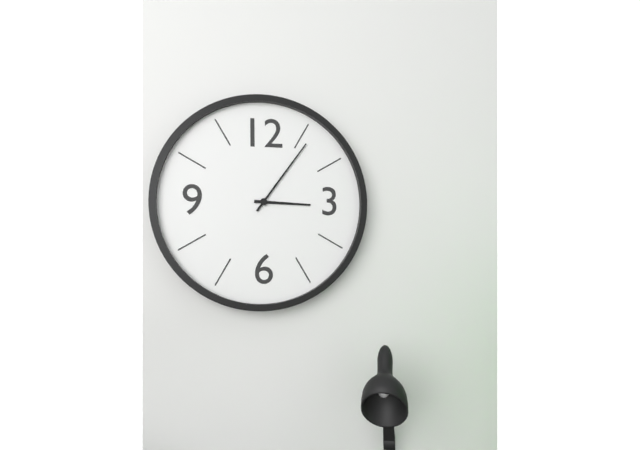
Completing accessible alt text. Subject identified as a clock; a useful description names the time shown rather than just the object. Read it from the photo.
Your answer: 3:06
